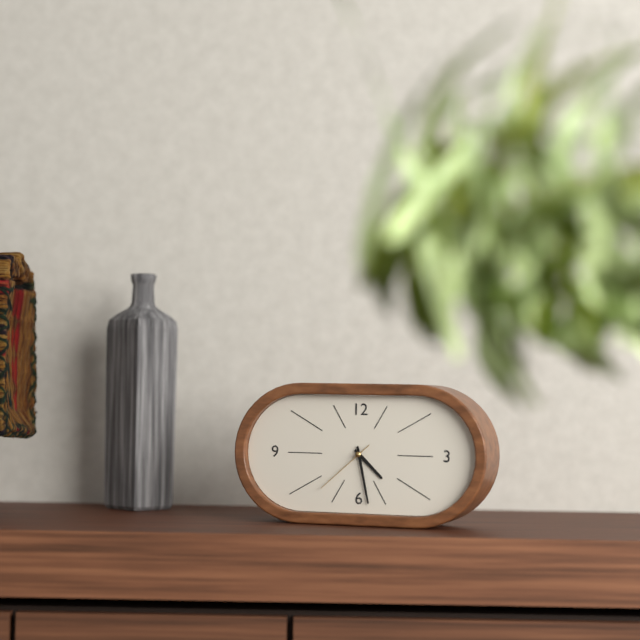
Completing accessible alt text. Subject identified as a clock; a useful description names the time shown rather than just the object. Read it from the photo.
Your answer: 4:28:38
